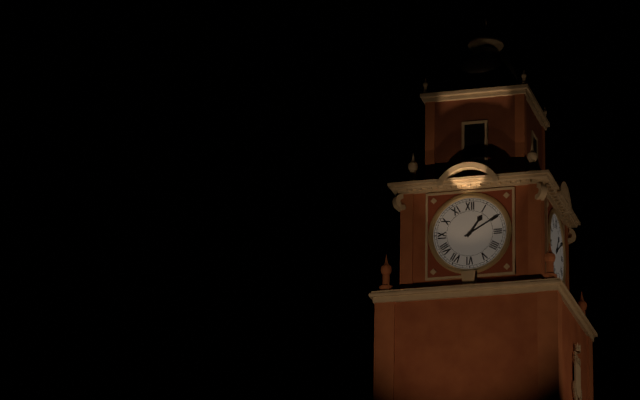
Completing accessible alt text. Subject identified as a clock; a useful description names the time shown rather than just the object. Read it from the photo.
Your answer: 1:10
